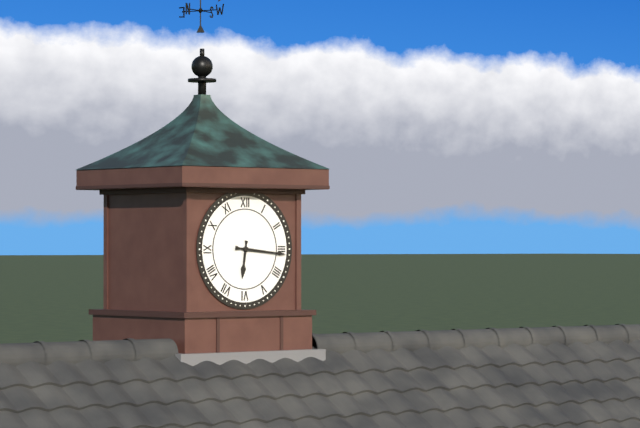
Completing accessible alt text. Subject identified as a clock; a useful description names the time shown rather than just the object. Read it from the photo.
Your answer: 6:16
